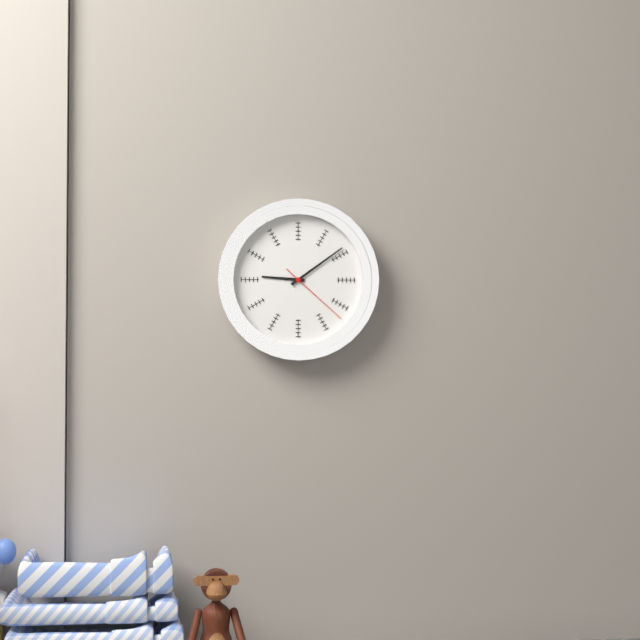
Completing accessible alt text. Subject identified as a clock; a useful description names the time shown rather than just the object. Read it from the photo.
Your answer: 9:09:22
